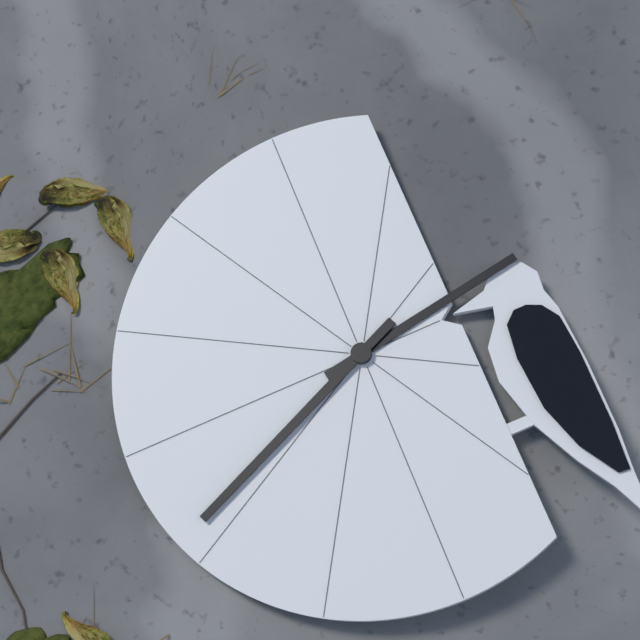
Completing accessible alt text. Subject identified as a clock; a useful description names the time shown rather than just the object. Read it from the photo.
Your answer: 2:41
